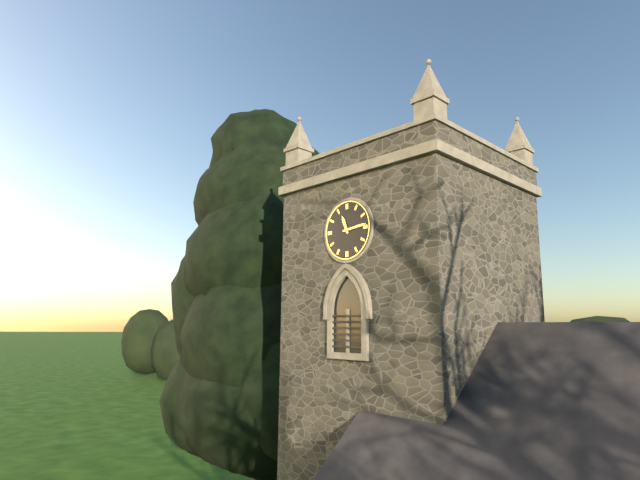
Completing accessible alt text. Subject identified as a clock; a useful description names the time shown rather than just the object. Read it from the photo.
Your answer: 11:14
